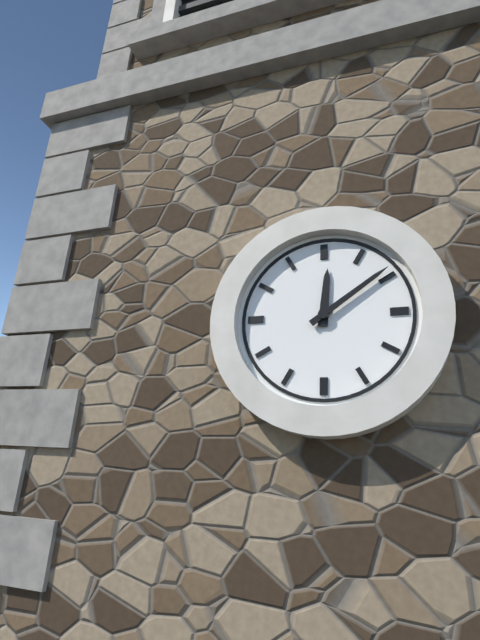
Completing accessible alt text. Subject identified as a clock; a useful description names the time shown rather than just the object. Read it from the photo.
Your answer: 12:09
